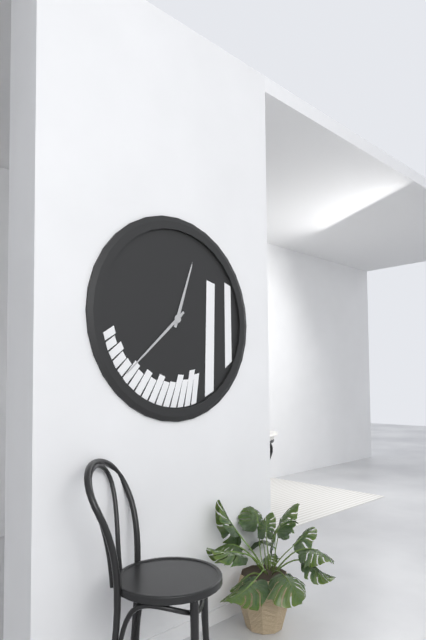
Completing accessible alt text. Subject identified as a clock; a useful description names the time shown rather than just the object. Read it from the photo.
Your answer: 12:38
